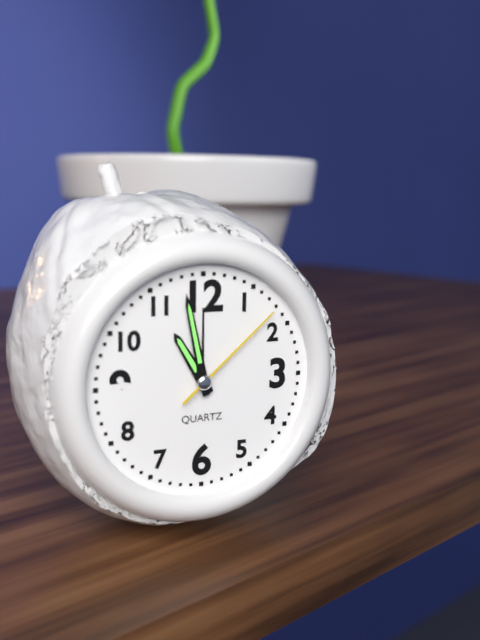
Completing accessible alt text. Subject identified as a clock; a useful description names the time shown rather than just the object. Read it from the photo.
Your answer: 10:58:08
